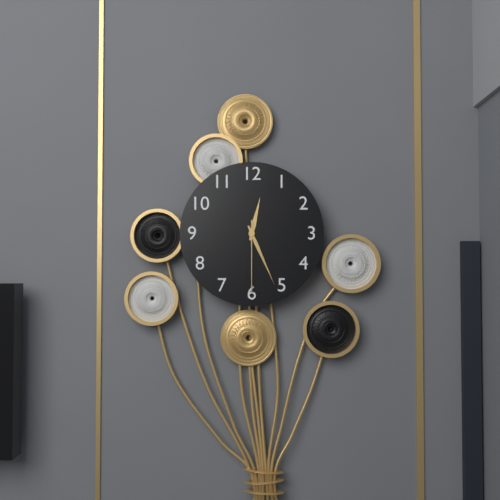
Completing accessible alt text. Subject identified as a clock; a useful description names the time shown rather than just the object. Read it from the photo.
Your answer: 12:26:30
